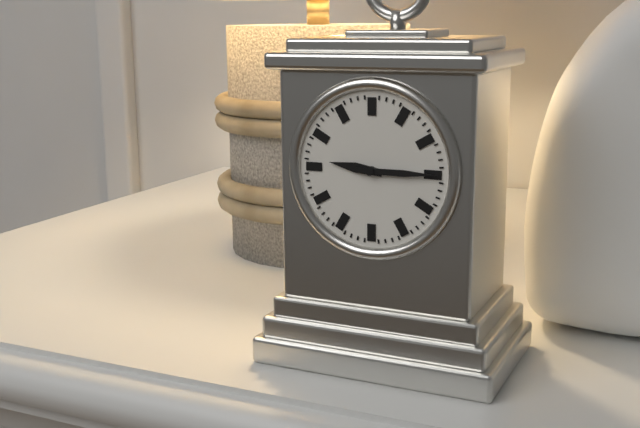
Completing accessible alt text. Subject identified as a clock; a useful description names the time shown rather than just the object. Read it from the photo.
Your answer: 9:15
